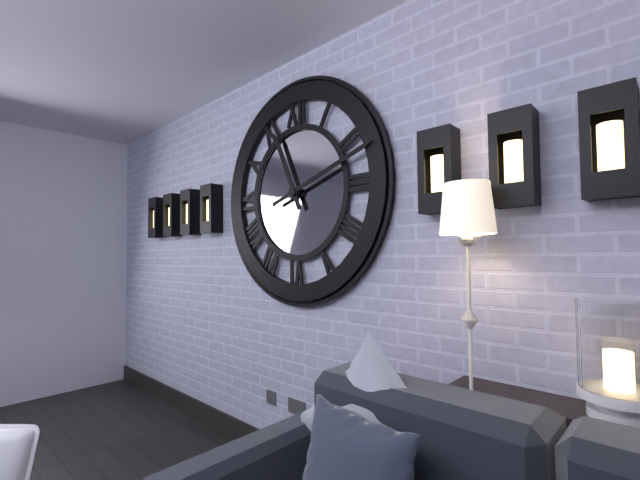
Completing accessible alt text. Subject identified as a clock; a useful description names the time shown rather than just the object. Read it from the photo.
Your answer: 11:12
